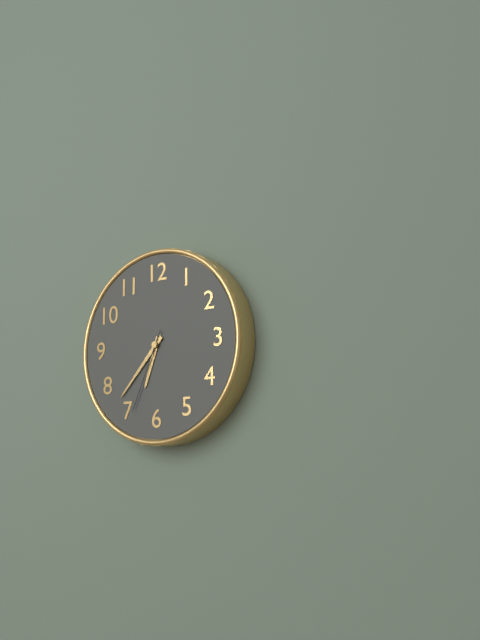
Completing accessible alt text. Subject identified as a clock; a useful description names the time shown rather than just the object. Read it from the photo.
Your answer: 6:37:34
